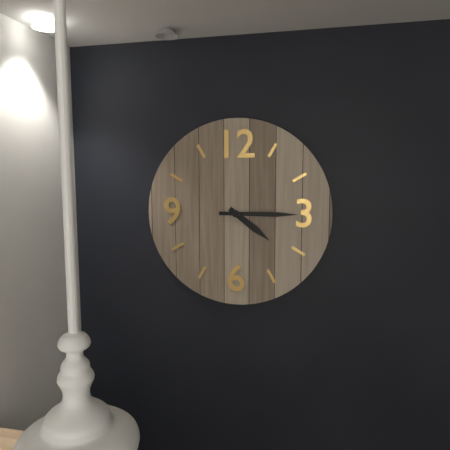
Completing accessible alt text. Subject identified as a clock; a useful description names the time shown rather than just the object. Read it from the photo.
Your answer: 4:15
